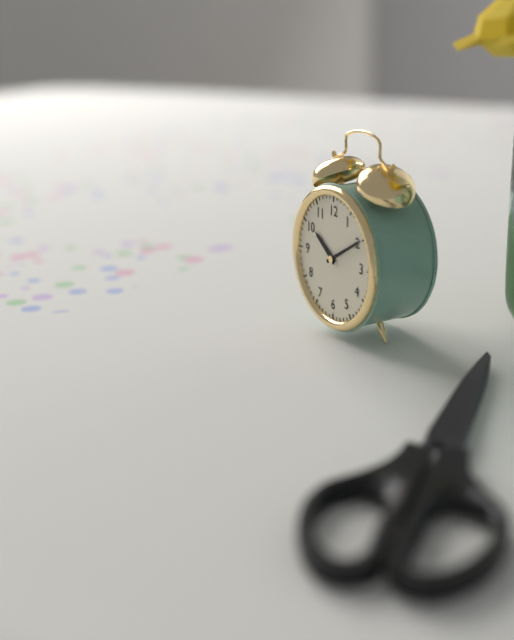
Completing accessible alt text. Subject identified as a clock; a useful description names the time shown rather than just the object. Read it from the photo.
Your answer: 10:10
